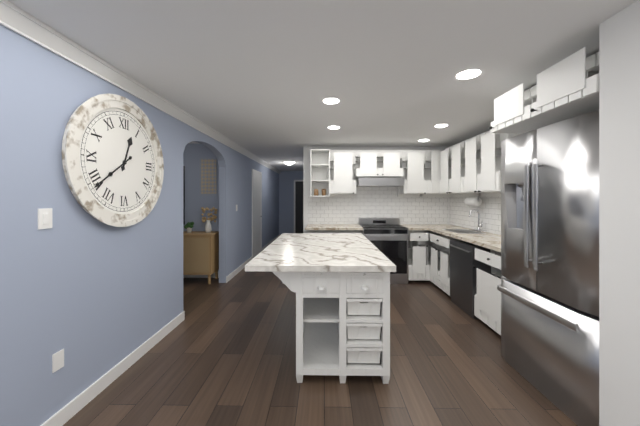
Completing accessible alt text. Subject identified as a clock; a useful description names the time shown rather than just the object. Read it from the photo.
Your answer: 12:39
